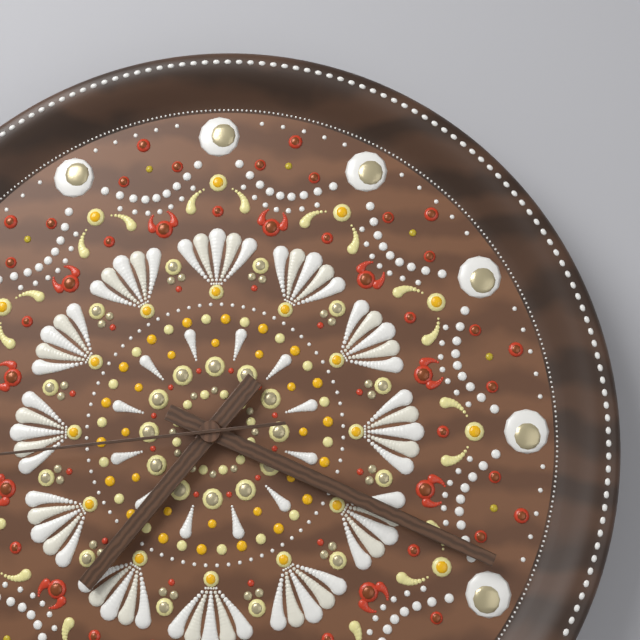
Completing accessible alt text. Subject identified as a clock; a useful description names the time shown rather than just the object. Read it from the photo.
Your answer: 7:19
